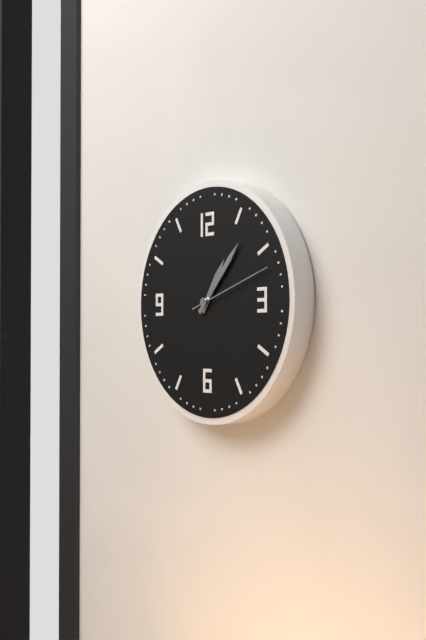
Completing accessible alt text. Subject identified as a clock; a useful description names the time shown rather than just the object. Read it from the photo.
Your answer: 1:07:12
